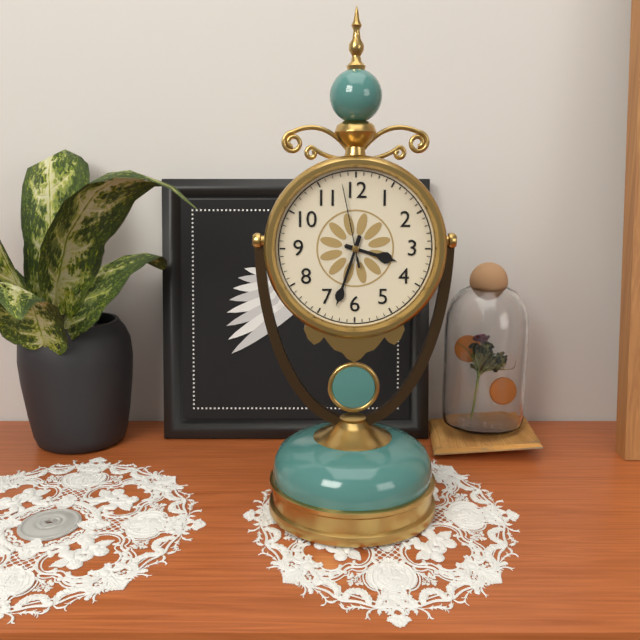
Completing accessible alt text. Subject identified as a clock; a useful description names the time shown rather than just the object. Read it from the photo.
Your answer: 3:33:58
